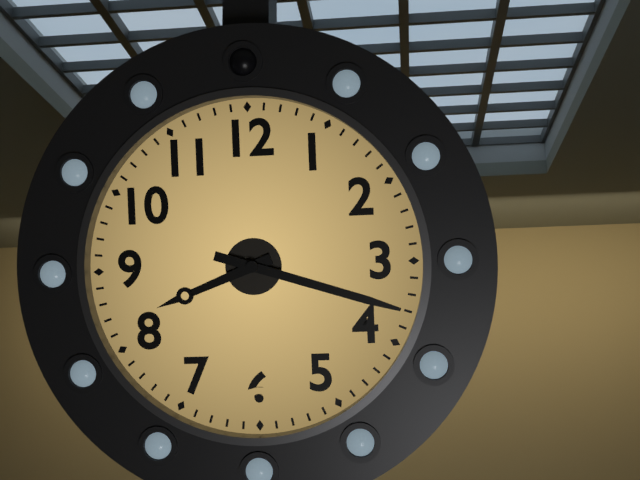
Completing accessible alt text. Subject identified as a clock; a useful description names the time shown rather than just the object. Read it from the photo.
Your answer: 8:18
